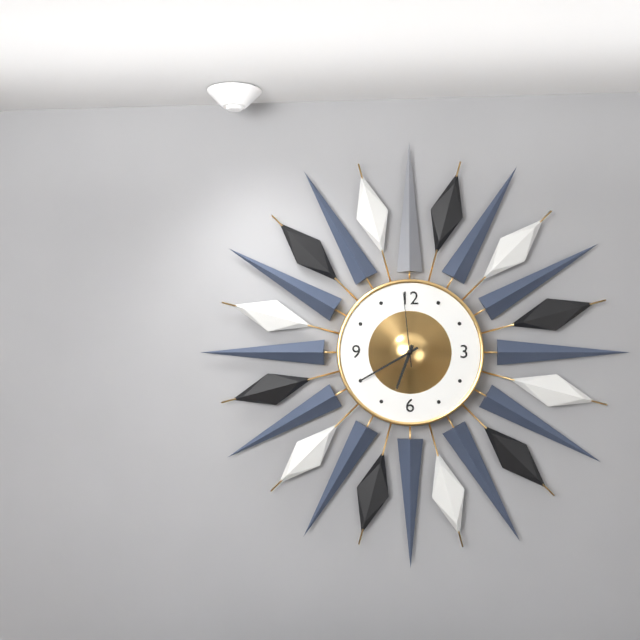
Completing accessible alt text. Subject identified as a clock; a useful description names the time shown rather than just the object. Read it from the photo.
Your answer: 6:40:59
